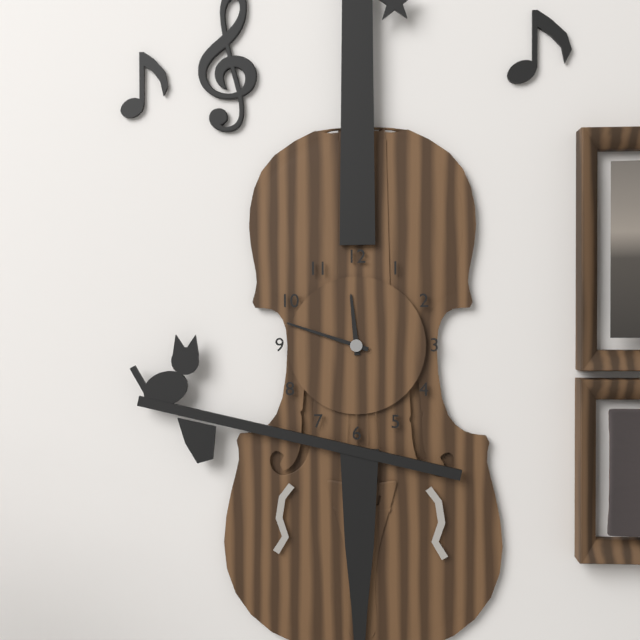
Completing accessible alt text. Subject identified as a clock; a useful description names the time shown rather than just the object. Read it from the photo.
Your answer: 11:48
